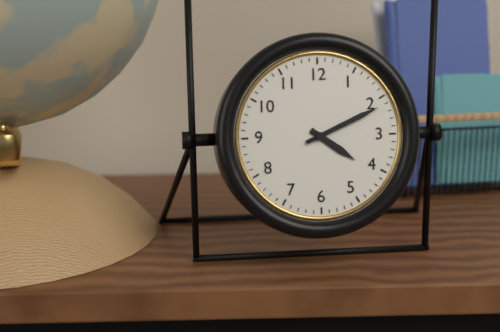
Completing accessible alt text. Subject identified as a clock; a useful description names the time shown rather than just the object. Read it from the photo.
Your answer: 4:11
